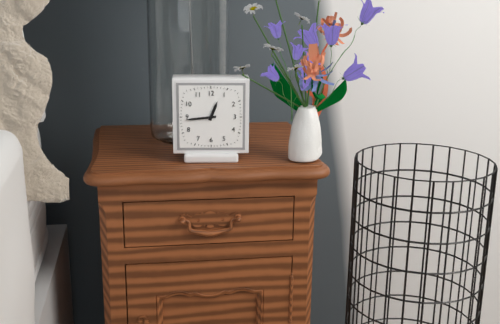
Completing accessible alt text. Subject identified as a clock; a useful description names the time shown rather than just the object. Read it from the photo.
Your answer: 12:44
